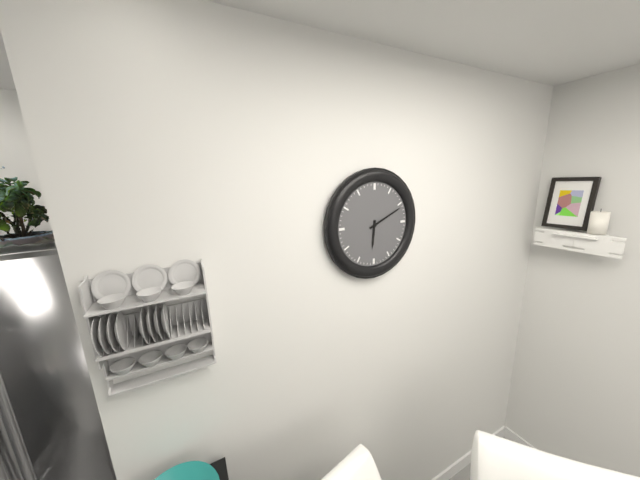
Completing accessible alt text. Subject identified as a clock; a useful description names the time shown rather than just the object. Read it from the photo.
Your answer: 6:11
